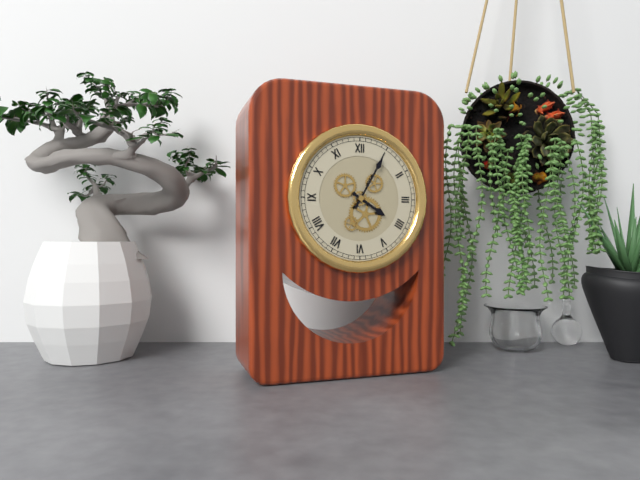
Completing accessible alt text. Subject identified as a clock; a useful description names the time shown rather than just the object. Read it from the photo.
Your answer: 4:05
